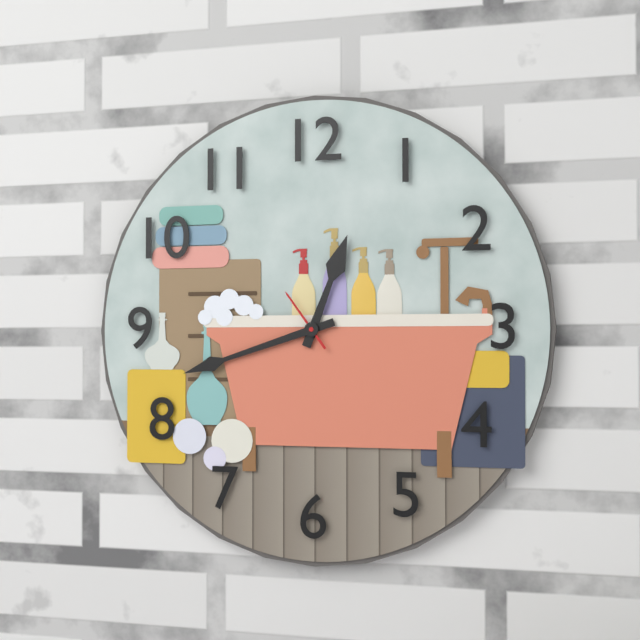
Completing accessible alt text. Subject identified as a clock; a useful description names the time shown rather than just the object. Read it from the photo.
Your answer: 12:42:54
